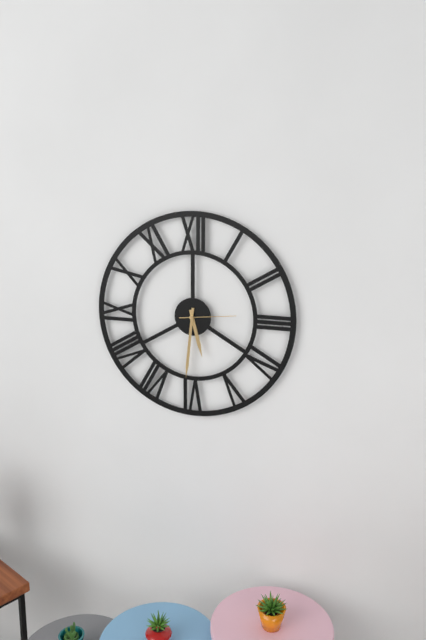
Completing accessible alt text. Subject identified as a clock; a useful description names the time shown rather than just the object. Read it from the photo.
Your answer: 5:31:14
